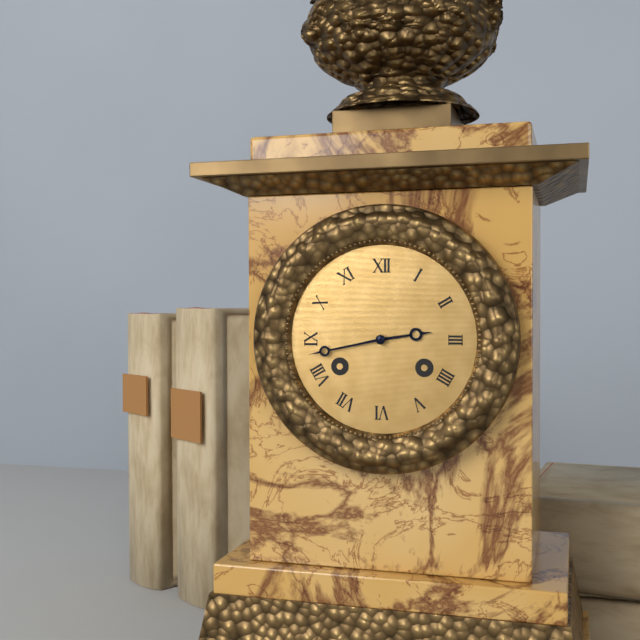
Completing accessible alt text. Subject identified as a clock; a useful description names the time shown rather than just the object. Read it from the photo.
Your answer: 2:43
